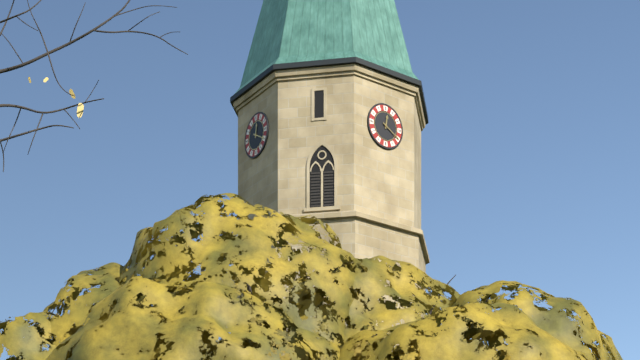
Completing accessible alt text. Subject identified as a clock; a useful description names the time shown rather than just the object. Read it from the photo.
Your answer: 12:20
